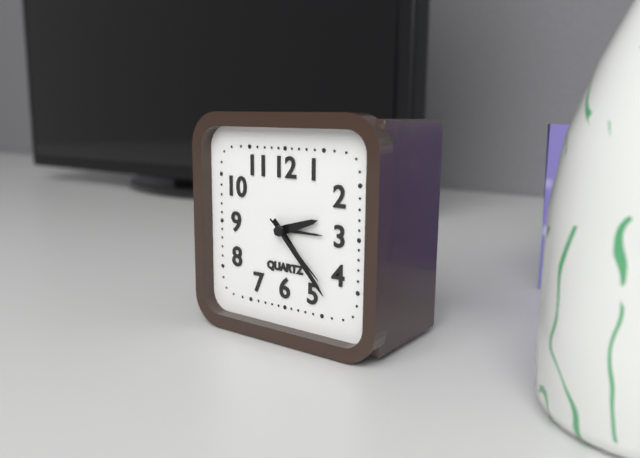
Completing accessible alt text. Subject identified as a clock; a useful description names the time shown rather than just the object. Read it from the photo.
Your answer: 2:23:22
